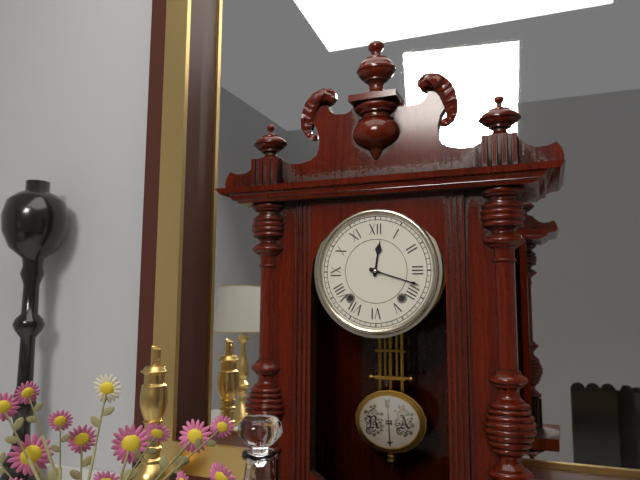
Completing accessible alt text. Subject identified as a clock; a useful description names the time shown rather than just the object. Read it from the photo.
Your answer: 12:18
